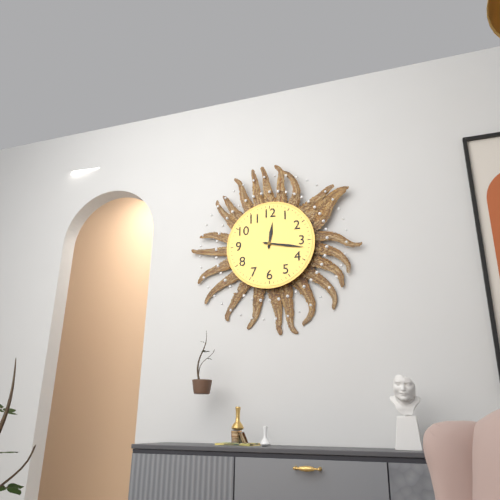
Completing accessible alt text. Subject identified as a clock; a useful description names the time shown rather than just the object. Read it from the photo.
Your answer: 12:17
